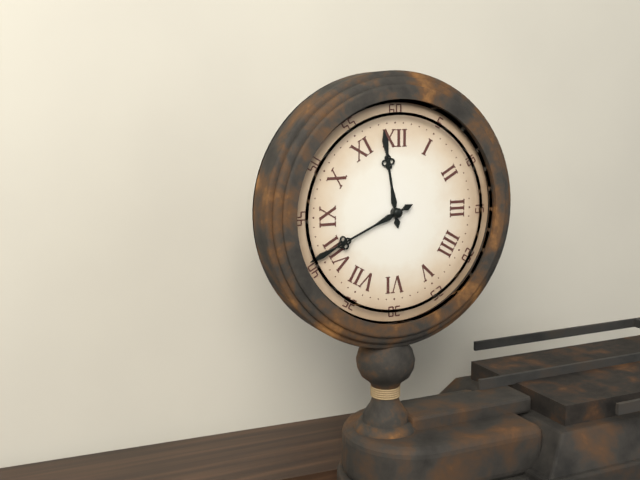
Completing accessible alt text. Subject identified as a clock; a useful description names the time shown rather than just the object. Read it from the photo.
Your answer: 11:41
